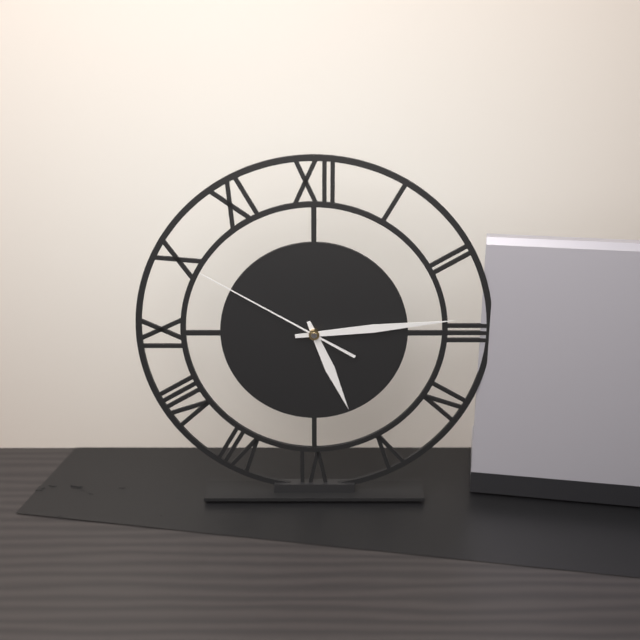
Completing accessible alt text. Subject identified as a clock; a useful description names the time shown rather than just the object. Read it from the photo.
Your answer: 5:14:50
